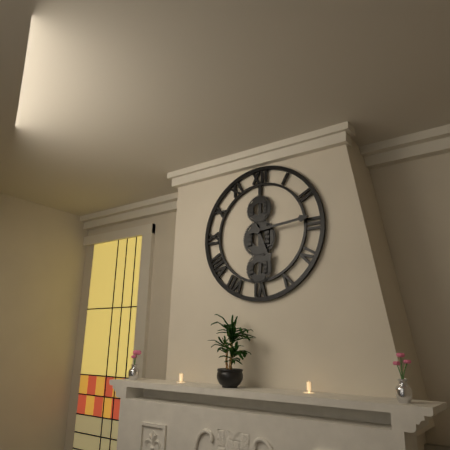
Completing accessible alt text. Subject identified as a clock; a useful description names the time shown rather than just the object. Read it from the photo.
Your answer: 5:14
